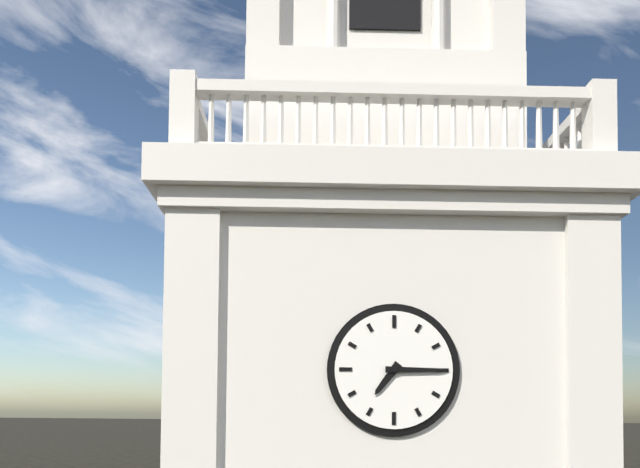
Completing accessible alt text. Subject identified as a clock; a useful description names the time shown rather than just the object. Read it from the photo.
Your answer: 7:15
